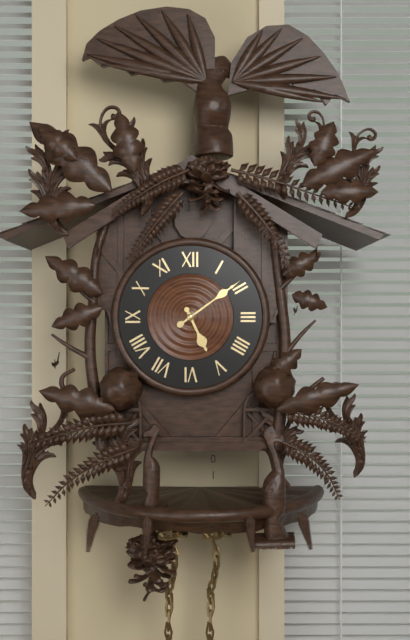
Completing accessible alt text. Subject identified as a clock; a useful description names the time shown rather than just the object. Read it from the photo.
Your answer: 5:09
